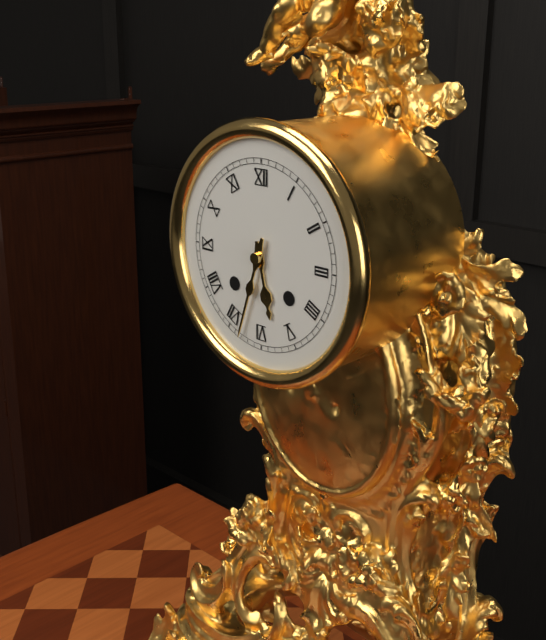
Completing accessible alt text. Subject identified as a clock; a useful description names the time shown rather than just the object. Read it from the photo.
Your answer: 5:33
